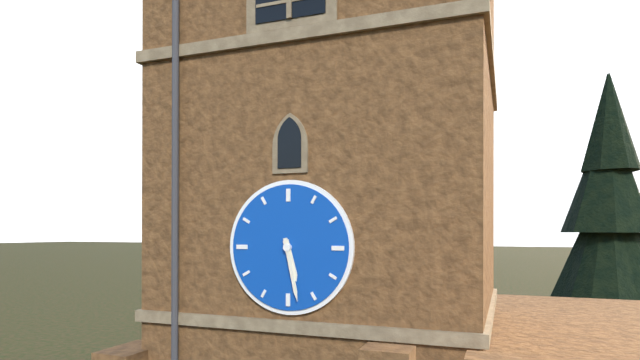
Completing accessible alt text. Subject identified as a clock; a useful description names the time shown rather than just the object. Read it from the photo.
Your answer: 5:28
